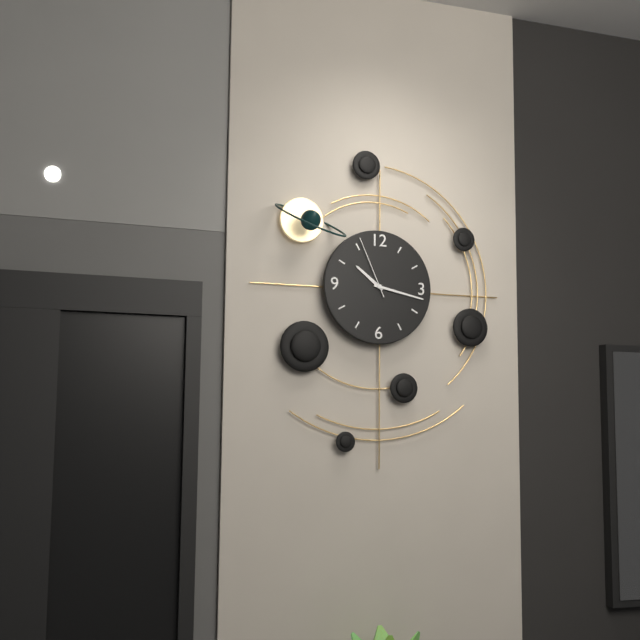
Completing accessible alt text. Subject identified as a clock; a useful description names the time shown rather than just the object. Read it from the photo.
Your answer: 10:17:56
